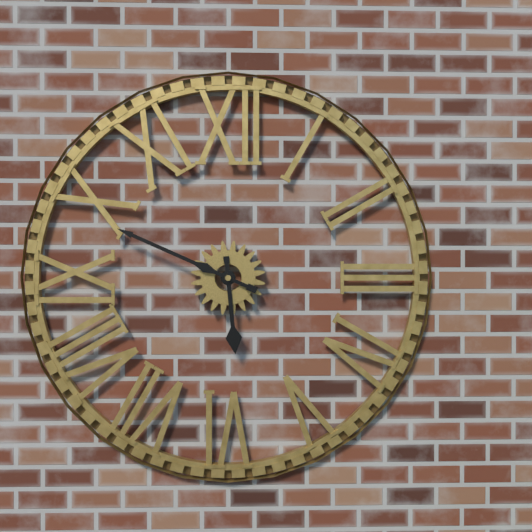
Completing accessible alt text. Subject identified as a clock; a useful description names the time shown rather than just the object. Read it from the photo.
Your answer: 5:49
